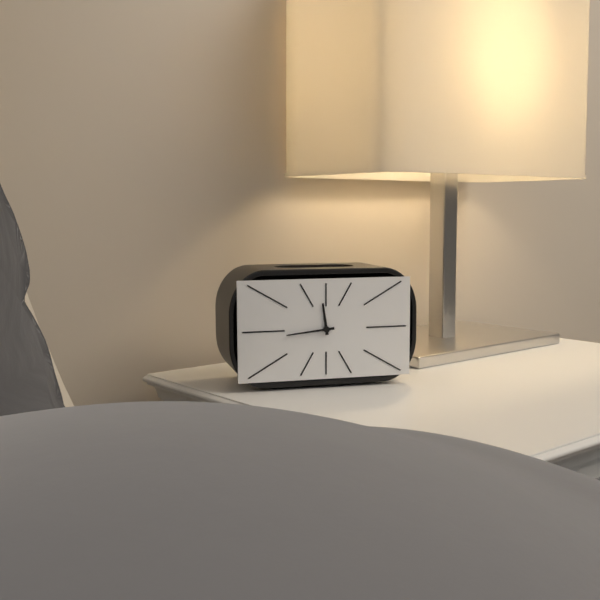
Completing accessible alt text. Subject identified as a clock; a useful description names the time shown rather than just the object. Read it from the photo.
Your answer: 11:44
